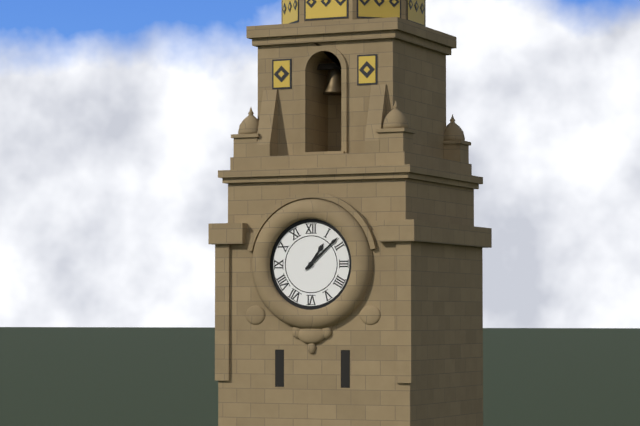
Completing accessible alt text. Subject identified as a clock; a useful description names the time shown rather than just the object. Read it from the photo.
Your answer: 1:08
